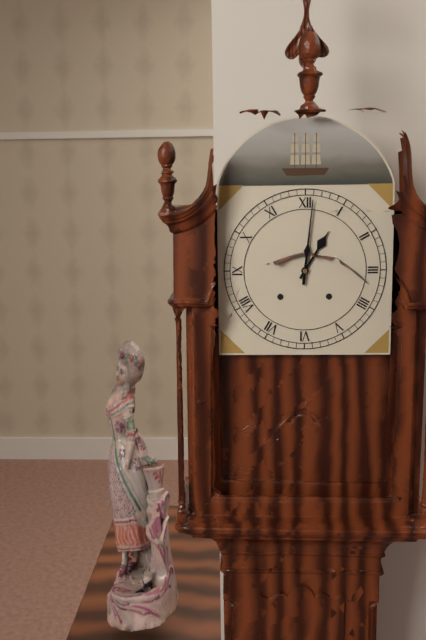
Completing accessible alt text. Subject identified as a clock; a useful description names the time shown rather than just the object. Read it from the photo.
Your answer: 1:01
